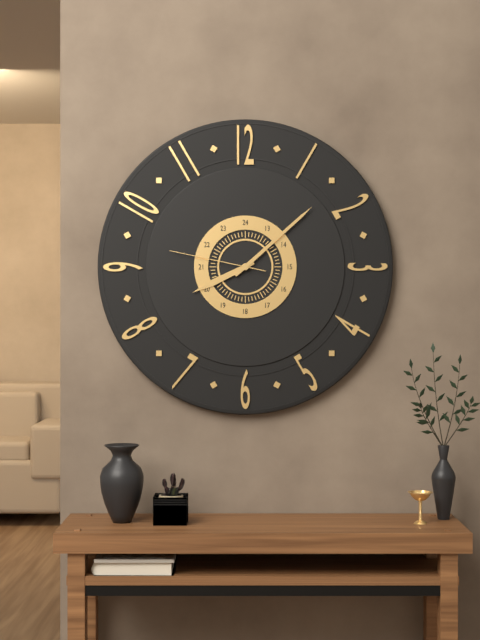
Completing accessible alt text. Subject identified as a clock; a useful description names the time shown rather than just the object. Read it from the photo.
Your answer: 8:08:47
